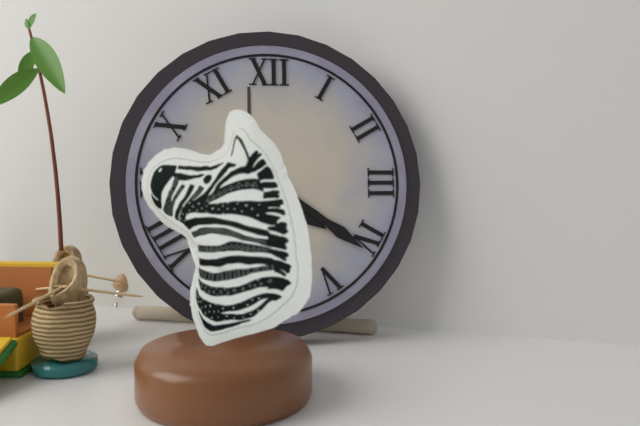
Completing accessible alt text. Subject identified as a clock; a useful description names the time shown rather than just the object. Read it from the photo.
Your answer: 4:21
